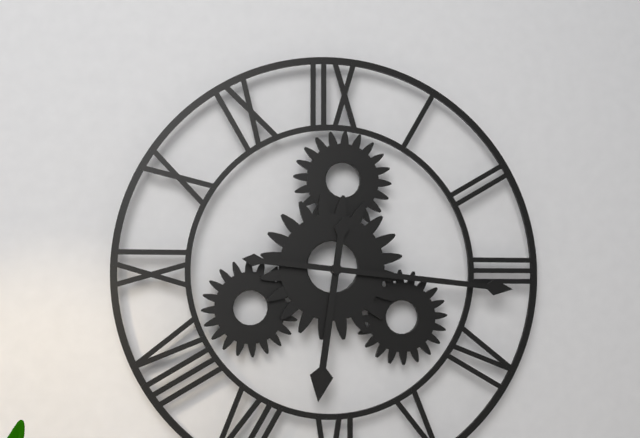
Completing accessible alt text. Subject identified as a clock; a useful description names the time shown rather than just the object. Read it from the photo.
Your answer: 6:16
